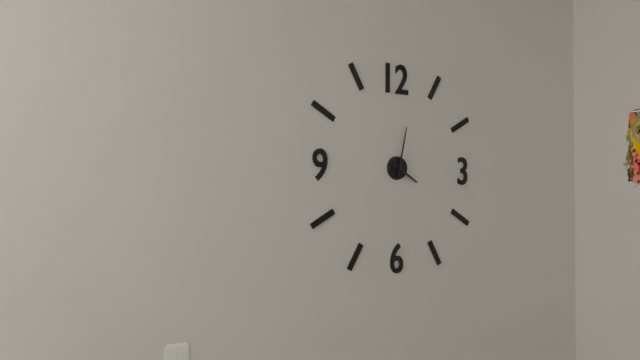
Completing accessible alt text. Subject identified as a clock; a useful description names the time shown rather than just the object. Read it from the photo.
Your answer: 4:02
